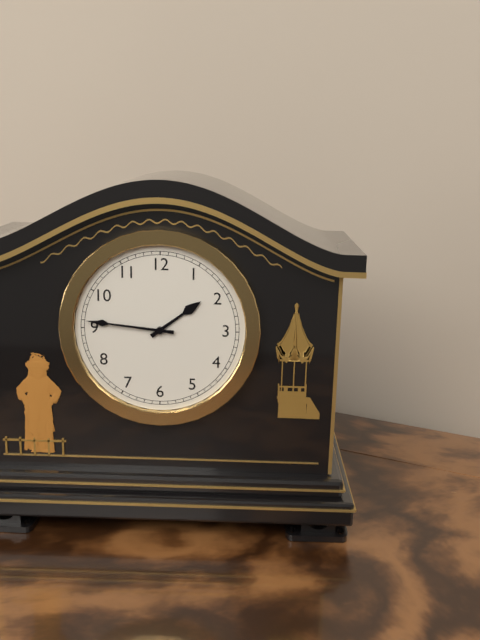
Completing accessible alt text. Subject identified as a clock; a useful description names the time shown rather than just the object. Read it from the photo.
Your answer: 1:46
